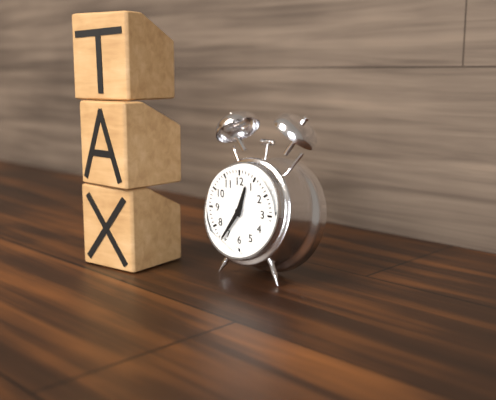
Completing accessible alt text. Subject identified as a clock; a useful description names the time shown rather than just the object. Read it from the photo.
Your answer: 12:36
